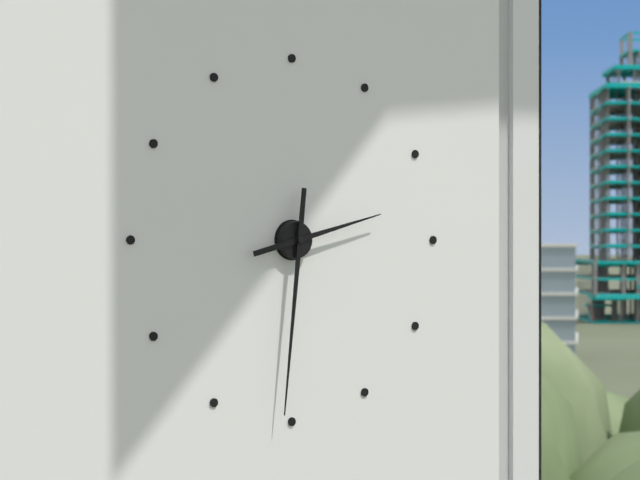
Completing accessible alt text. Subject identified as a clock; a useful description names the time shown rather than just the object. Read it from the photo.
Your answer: 2:31
